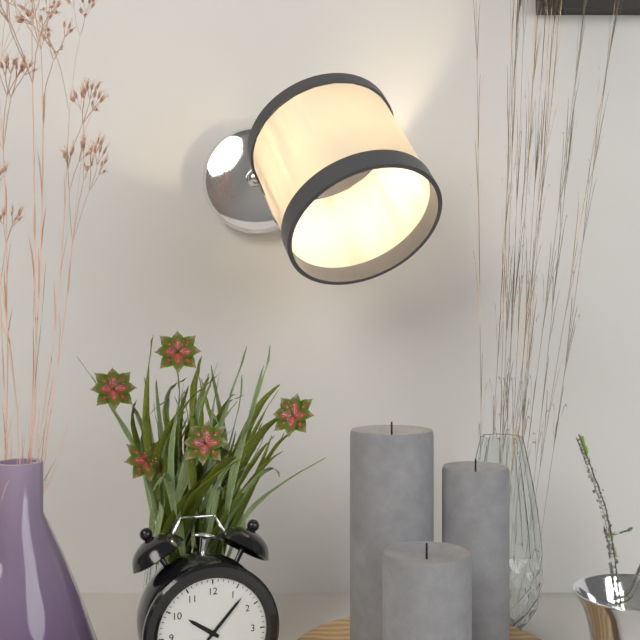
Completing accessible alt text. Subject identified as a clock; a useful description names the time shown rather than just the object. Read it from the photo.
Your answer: 10:07
